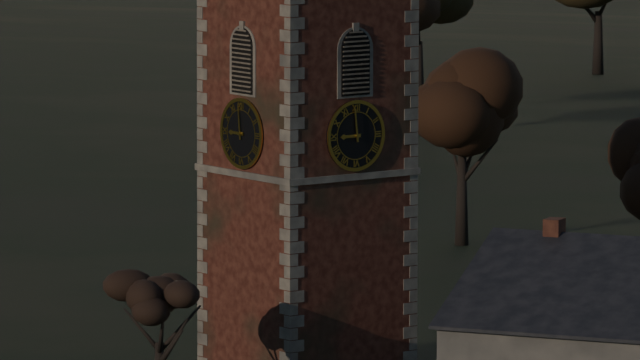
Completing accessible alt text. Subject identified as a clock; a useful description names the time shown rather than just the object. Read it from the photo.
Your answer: 8:59
